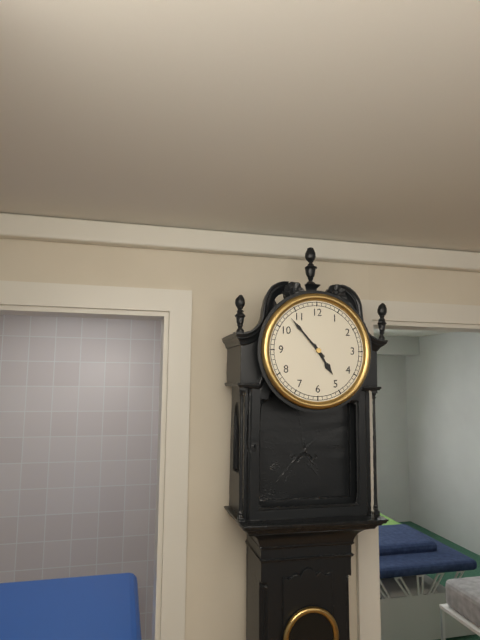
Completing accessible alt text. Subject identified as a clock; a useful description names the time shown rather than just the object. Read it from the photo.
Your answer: 4:53
